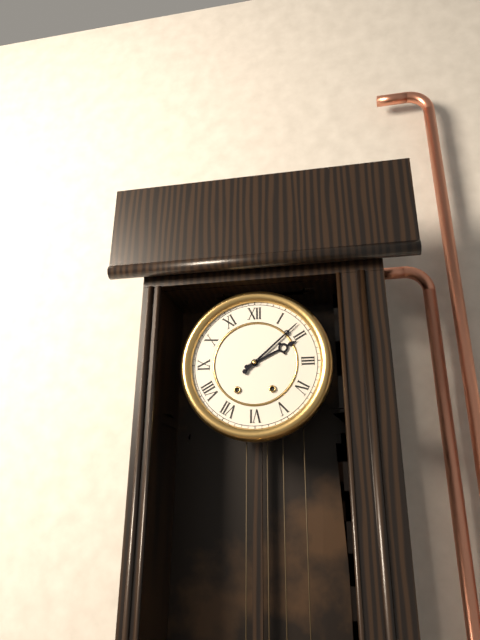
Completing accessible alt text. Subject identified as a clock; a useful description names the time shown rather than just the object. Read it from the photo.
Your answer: 2:08
